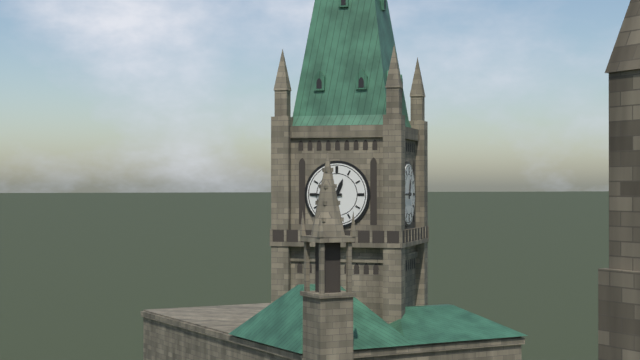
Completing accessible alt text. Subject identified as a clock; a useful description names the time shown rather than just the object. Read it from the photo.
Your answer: 12:45
